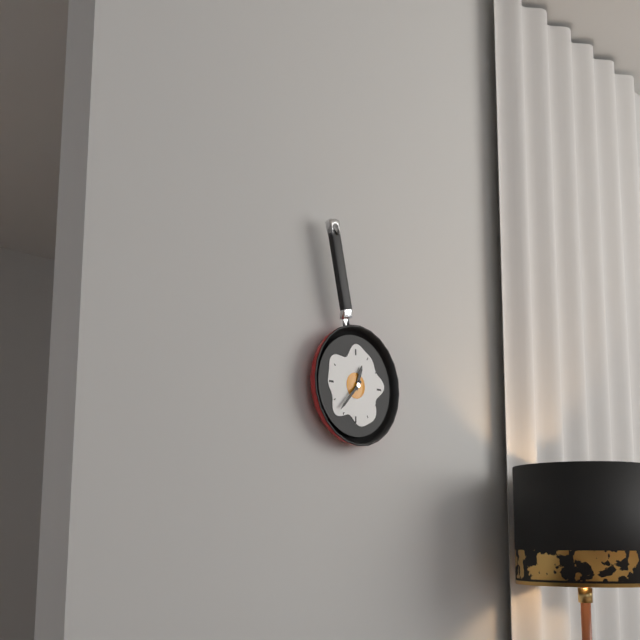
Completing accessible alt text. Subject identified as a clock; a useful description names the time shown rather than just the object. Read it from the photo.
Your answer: 12:37
